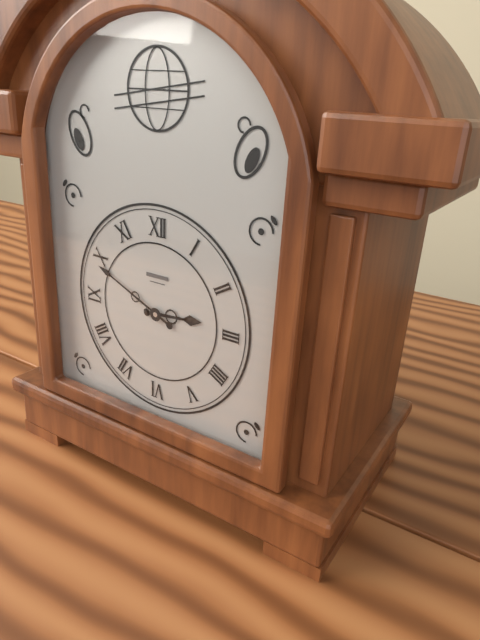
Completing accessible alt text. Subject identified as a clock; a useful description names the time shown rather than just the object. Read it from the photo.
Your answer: 2:49
